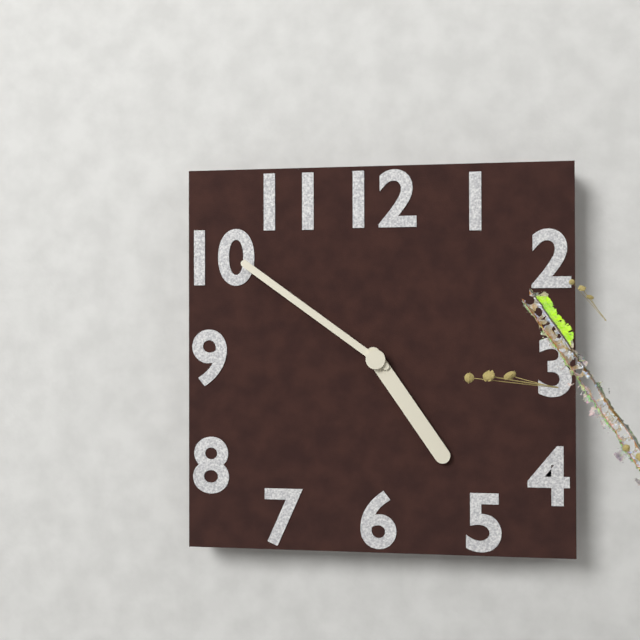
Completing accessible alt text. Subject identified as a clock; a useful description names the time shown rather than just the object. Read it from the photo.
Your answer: 4:51
